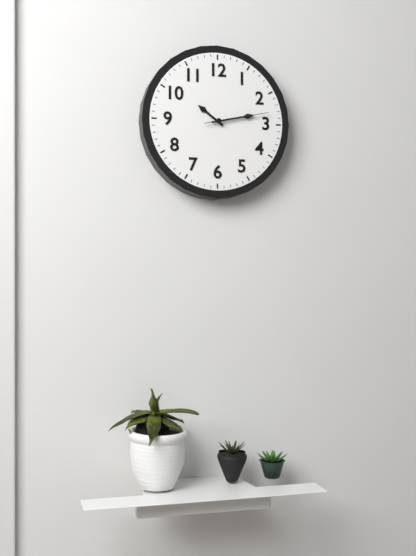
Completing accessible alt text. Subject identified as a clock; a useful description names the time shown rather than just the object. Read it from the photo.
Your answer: 10:13:13
